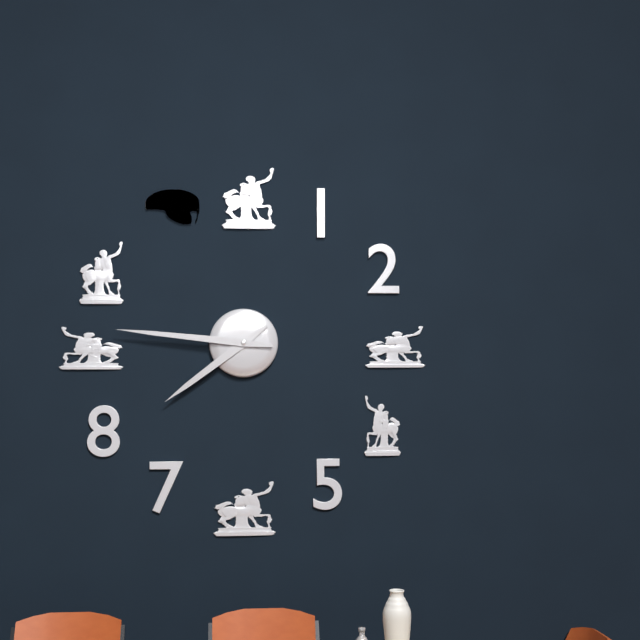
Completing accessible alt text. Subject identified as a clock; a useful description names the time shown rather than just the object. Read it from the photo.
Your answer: 7:46
